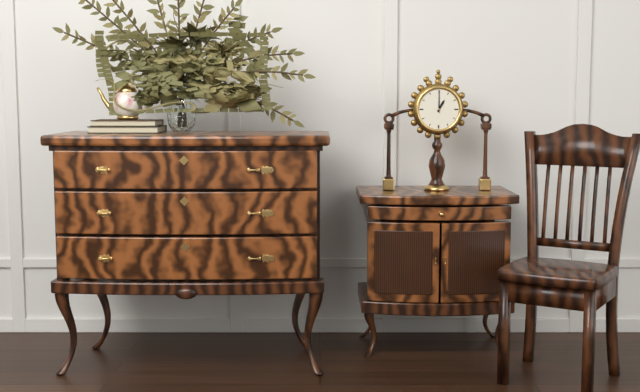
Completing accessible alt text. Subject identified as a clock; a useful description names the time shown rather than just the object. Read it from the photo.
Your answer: 1:00
